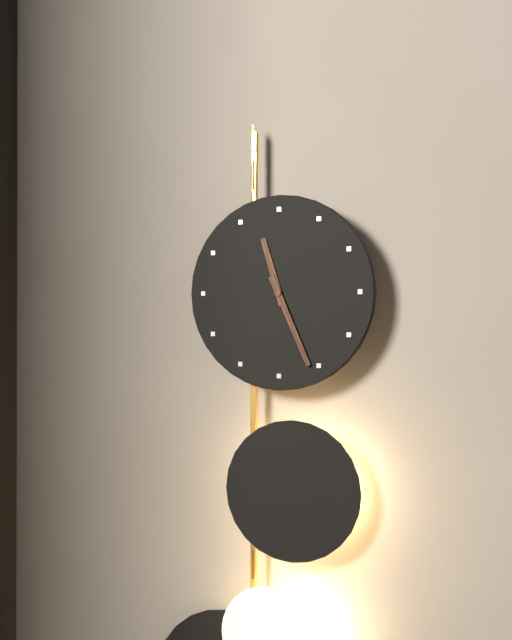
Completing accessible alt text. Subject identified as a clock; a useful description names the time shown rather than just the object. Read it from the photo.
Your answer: 11:26
